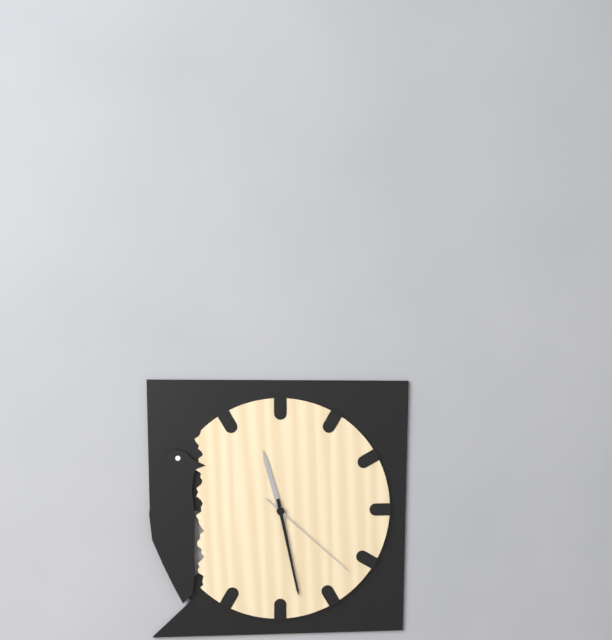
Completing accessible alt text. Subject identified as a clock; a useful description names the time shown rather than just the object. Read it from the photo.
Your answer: 11:28:22
